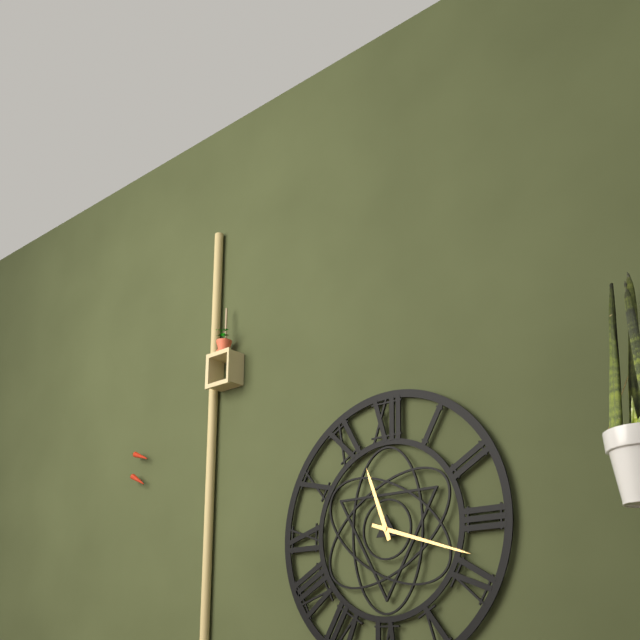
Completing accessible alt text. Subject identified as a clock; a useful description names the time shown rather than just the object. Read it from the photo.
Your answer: 11:18
